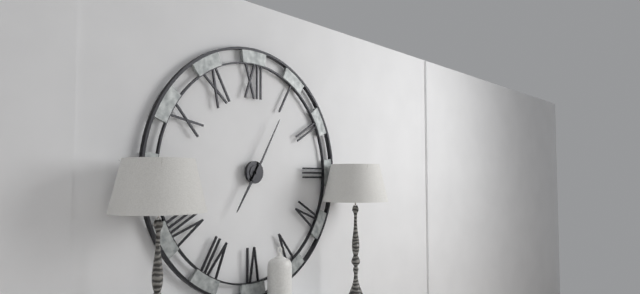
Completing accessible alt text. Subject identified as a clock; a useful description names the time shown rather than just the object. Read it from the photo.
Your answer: 7:05
